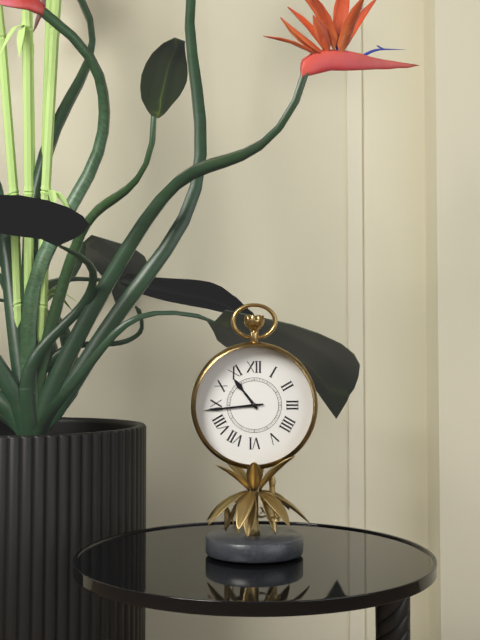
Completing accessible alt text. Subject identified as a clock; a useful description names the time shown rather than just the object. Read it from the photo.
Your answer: 10:44
